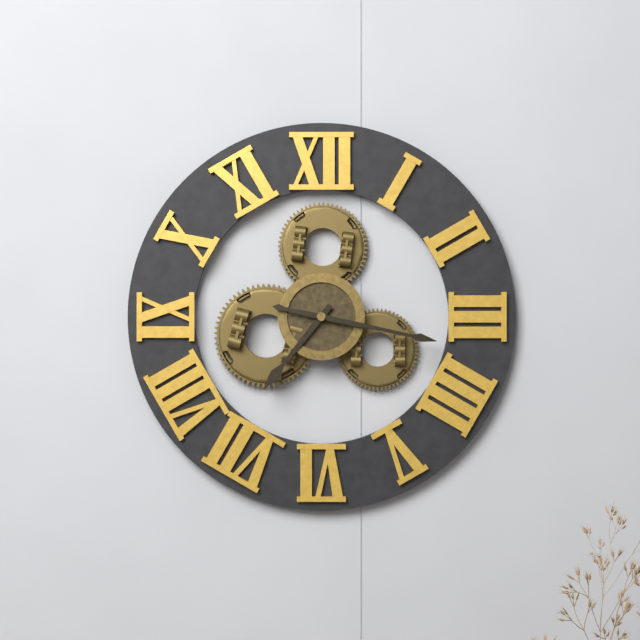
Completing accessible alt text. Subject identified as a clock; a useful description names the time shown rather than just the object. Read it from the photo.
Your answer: 7:17
